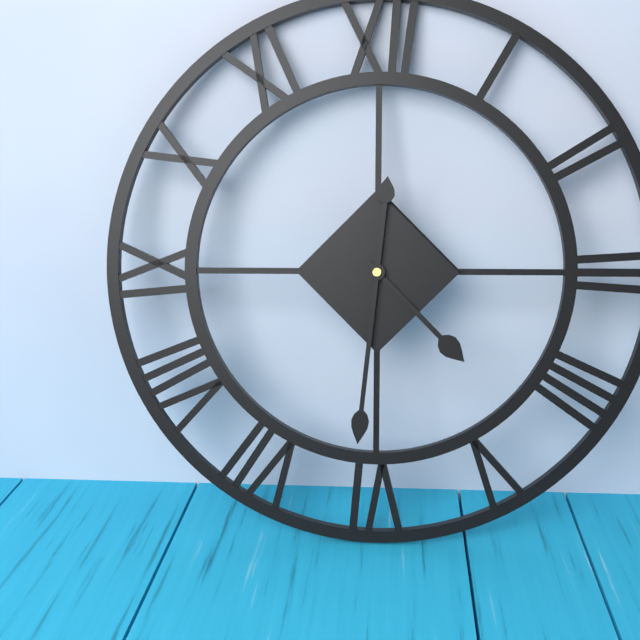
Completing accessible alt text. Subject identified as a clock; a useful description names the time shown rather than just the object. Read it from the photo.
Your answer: 4:31
